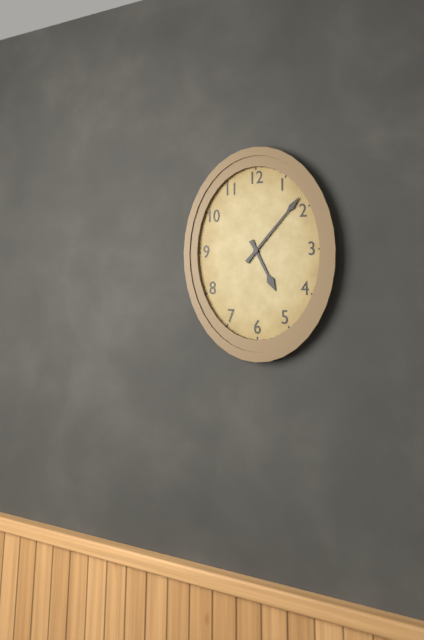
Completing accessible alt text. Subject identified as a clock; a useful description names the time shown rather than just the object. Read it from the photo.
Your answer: 5:07
